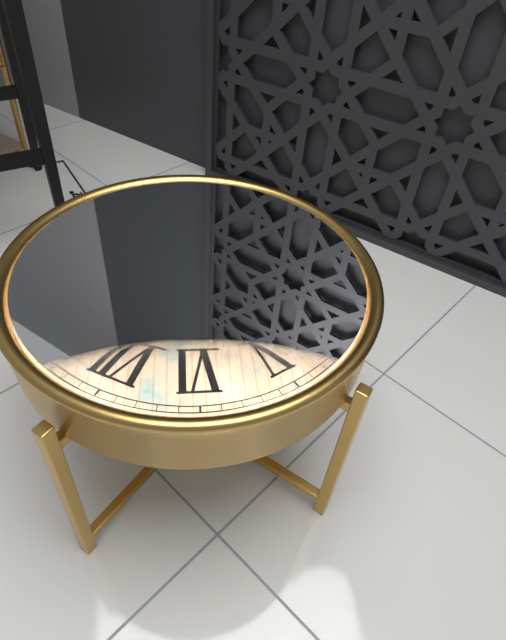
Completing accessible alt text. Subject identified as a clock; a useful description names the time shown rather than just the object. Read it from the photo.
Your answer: 5:00
